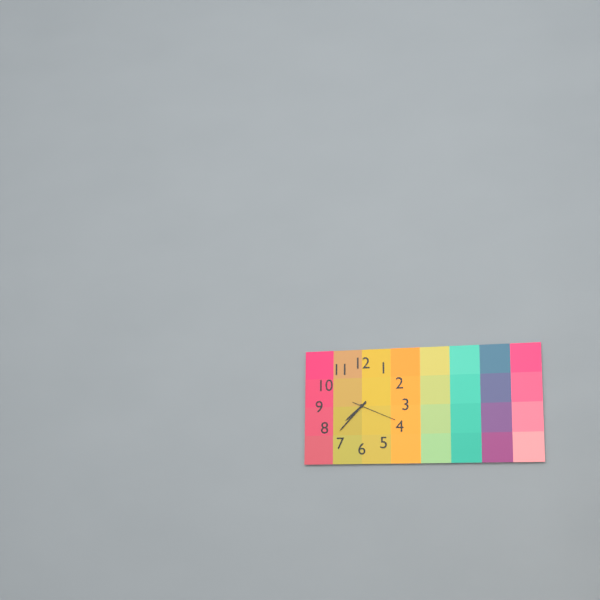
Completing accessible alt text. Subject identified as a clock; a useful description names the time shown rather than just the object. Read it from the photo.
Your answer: 7:37
